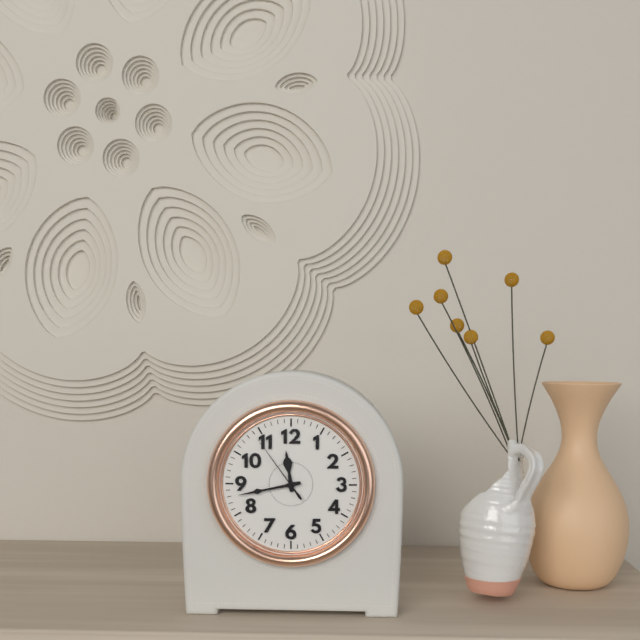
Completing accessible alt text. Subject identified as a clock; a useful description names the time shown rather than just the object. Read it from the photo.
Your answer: 11:43:54
